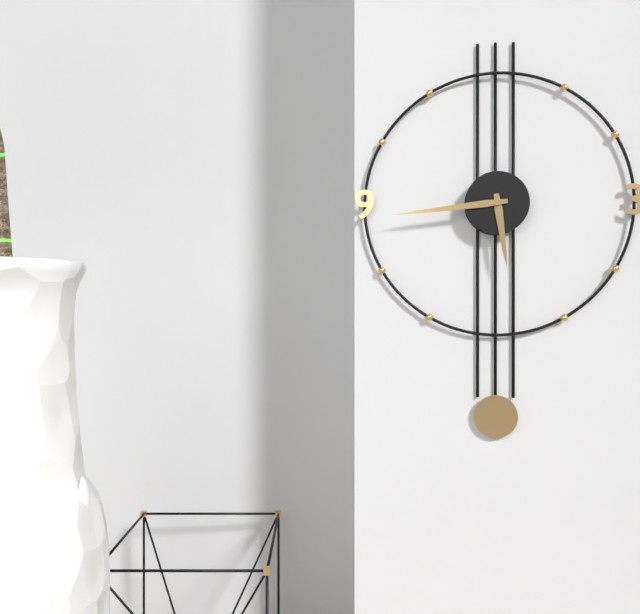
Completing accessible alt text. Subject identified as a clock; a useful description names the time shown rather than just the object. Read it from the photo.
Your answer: 5:44
